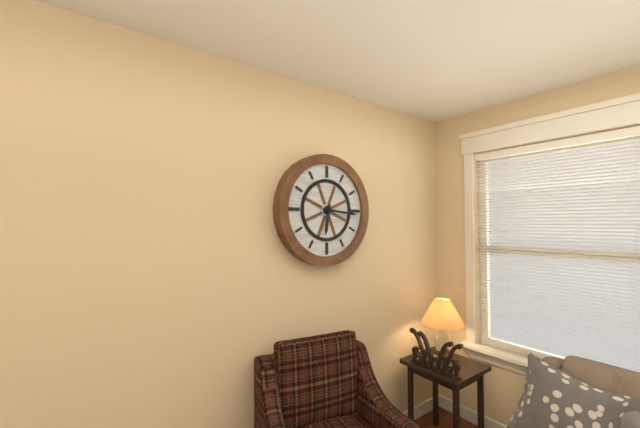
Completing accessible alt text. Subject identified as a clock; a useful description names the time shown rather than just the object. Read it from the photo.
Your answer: 6:16
